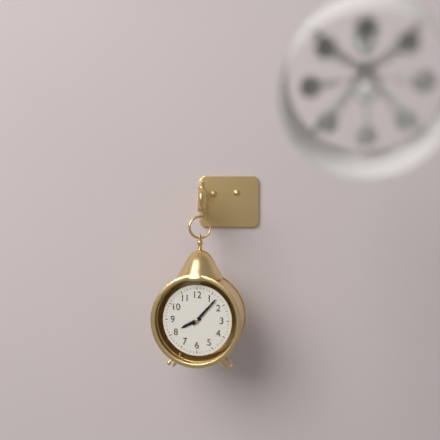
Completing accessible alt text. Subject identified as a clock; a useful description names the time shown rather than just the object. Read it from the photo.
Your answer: 8:07
